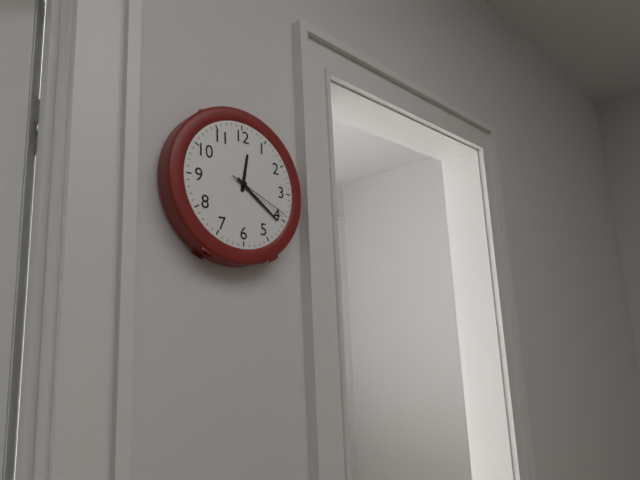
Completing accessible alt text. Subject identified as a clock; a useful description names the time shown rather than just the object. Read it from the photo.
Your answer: 12:21:19
